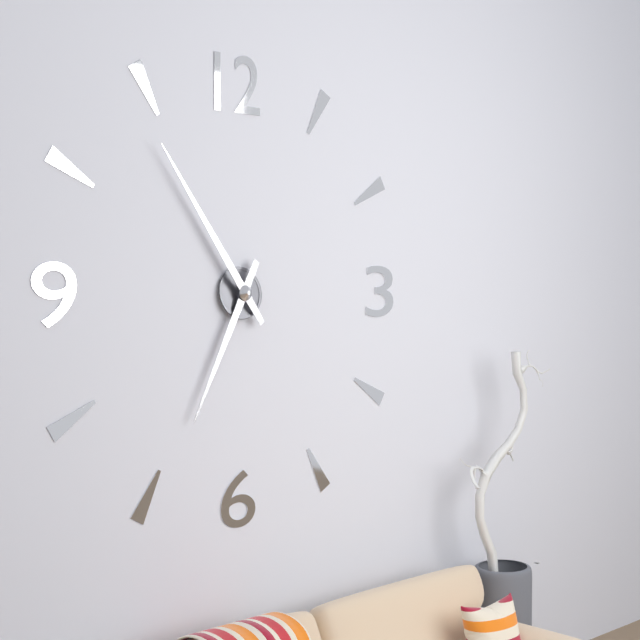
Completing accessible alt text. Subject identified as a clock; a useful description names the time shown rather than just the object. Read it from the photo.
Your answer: 6:54
